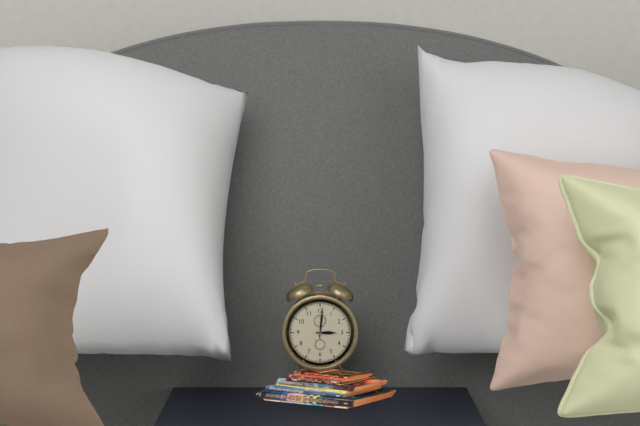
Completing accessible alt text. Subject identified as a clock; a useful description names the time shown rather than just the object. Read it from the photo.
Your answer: 3:01
